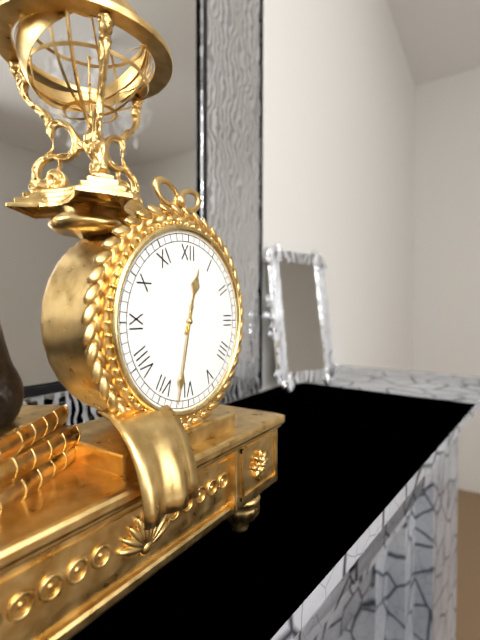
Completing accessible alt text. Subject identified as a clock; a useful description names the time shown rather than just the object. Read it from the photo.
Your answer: 12:32
